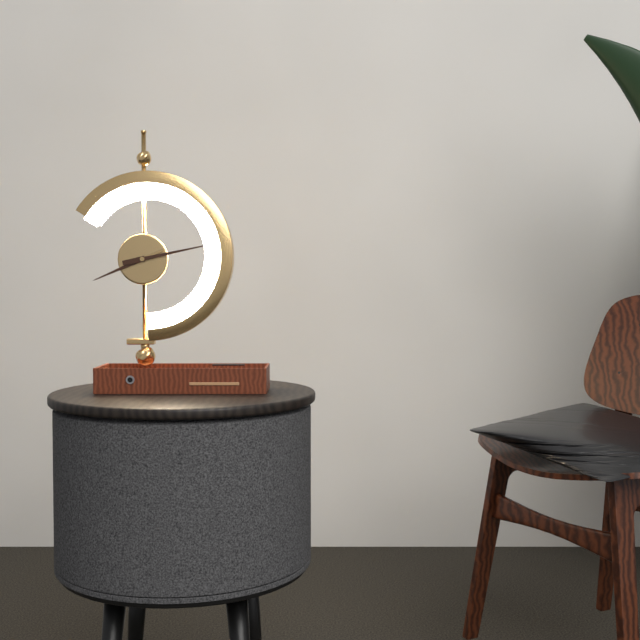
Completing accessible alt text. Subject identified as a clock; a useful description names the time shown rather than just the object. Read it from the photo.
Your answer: 8:13
